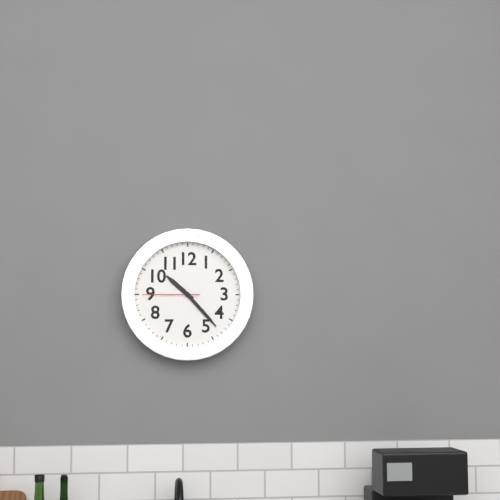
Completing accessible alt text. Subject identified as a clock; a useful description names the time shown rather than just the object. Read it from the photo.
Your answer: 10:23:45
